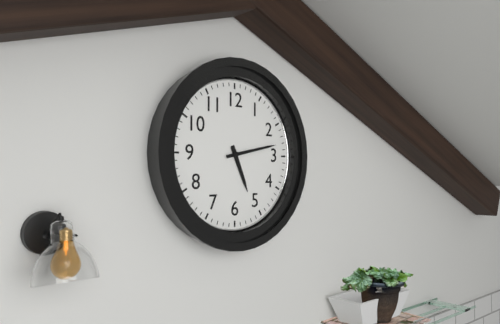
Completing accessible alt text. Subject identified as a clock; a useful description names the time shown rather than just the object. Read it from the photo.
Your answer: 5:13
